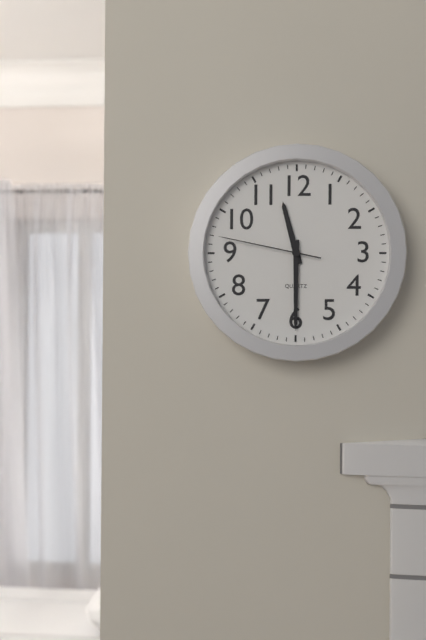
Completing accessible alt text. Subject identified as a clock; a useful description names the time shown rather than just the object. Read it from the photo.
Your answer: 11:30:47
